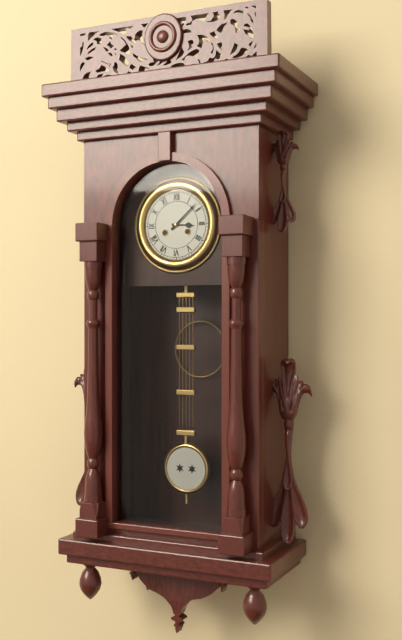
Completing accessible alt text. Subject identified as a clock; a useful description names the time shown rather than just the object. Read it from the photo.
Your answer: 3:08
